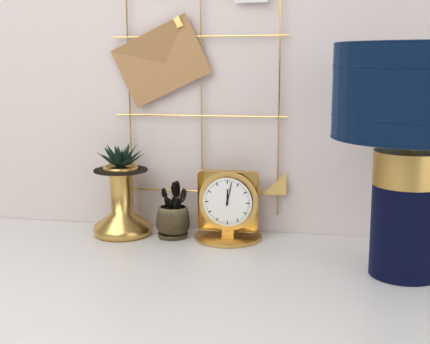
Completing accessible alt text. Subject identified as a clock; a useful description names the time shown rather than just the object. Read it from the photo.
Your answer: 12:02
